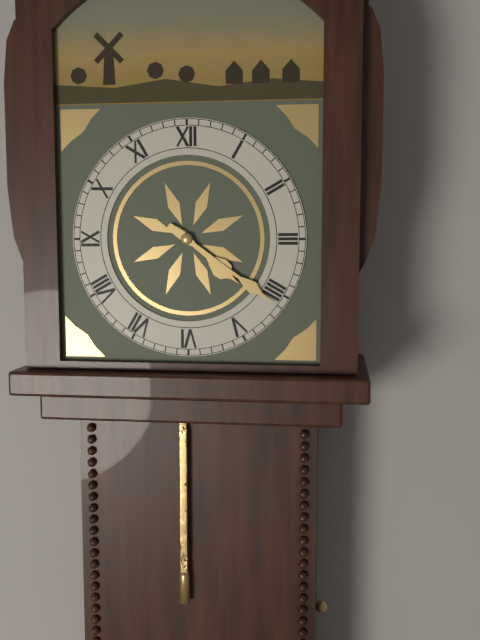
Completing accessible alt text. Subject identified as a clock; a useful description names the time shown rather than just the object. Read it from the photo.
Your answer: 4:21
